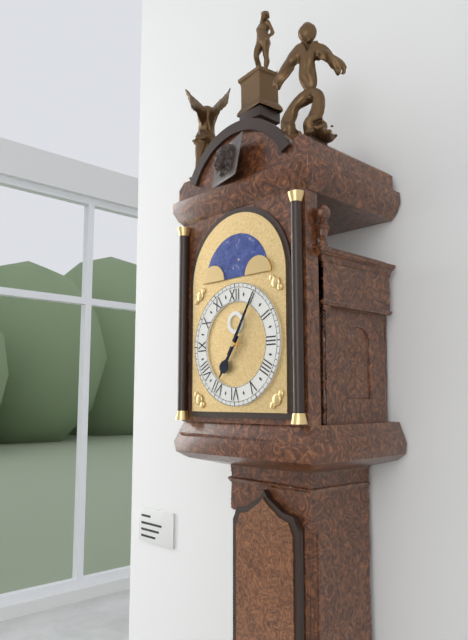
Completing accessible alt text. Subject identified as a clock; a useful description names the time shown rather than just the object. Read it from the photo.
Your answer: 7:05
